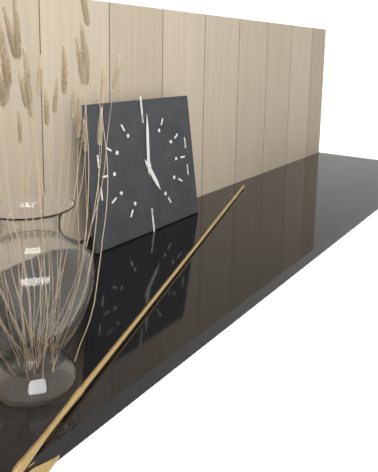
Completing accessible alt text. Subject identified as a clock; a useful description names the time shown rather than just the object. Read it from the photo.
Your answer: 5:01
